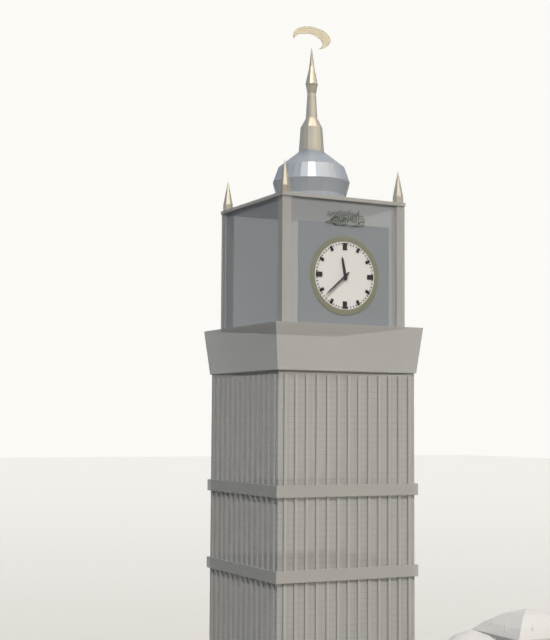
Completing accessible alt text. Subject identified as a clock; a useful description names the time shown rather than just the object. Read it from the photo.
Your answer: 11:38
